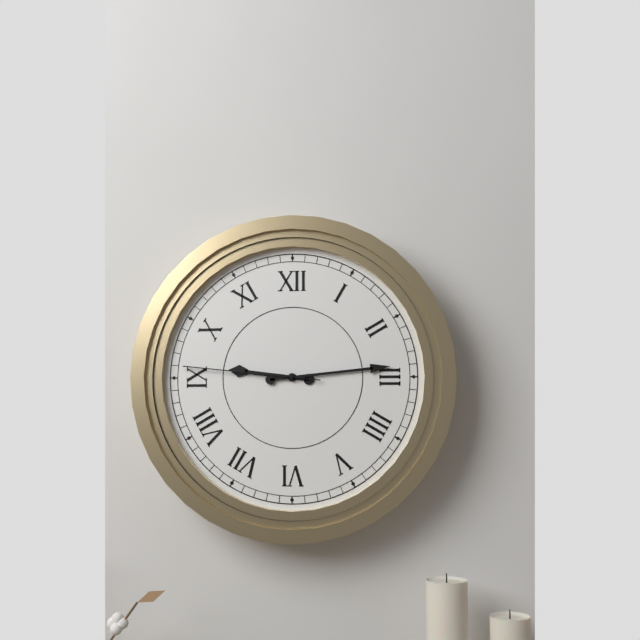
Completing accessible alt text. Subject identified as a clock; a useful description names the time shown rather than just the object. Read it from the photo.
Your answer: 9:14:46
